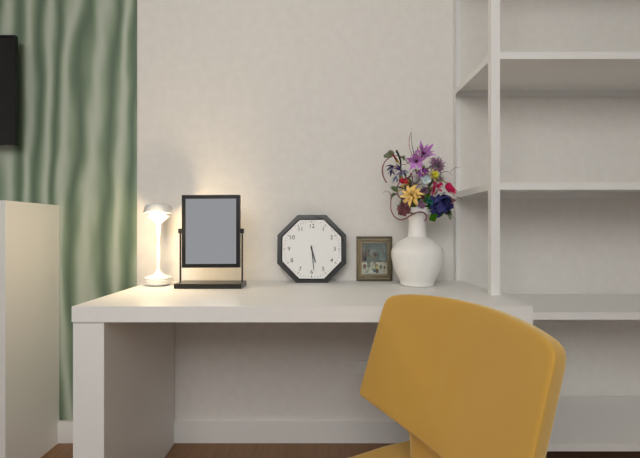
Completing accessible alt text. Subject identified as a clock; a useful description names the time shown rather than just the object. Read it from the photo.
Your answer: 5:29
